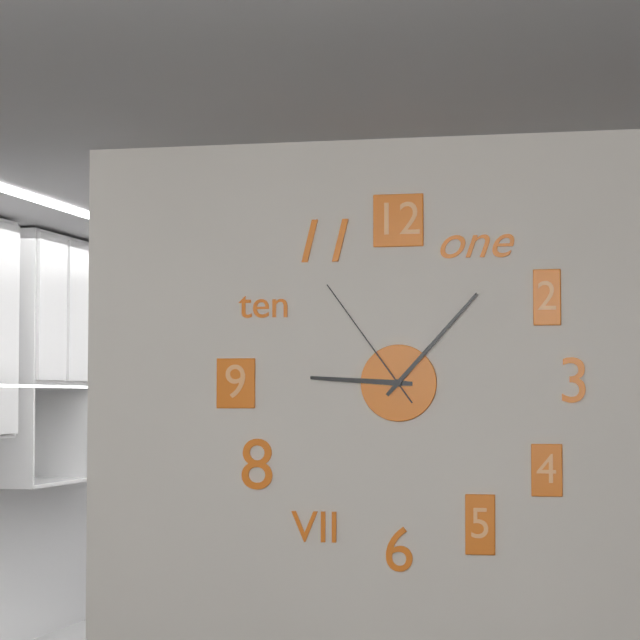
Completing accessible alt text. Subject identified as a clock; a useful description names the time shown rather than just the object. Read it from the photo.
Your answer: 9:07:54
